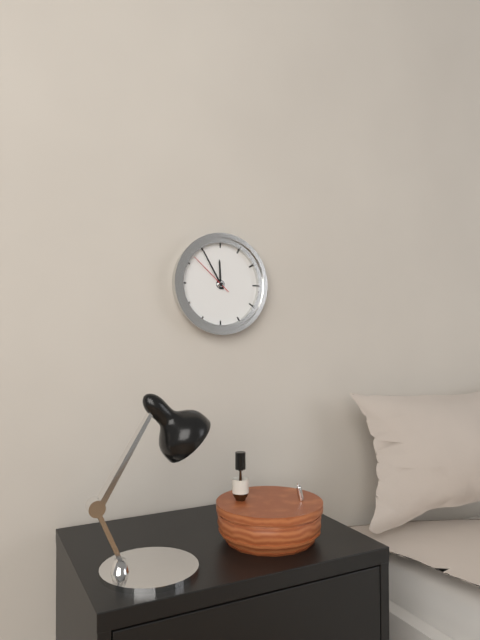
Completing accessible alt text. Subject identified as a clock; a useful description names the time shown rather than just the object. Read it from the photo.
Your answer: 11:55
